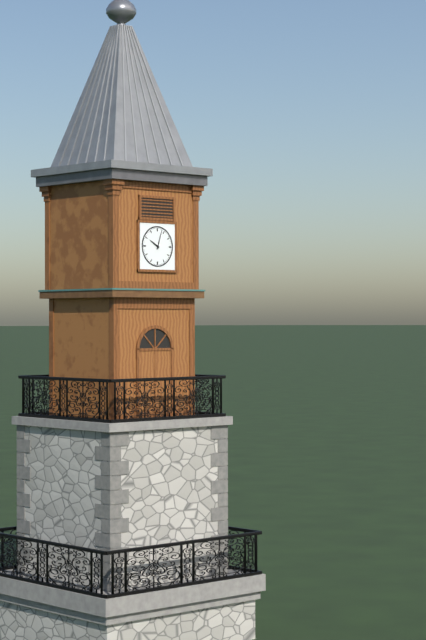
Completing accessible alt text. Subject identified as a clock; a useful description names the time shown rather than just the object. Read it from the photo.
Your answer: 10:03
